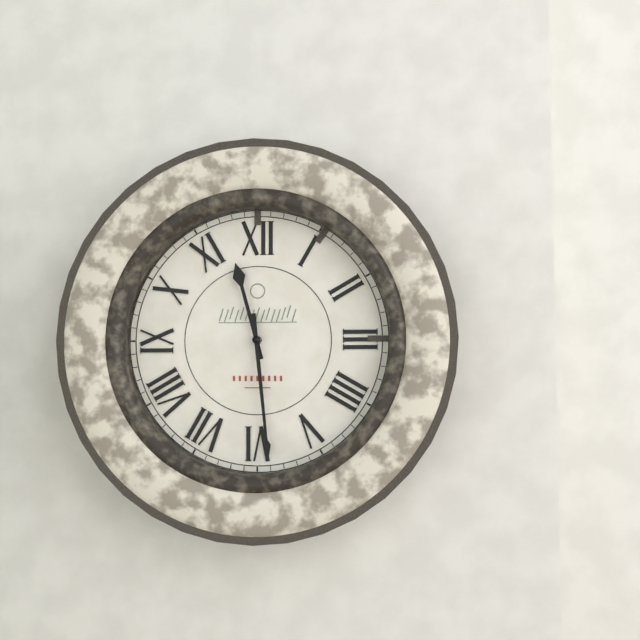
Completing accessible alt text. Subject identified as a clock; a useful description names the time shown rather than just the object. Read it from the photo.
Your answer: 11:29
